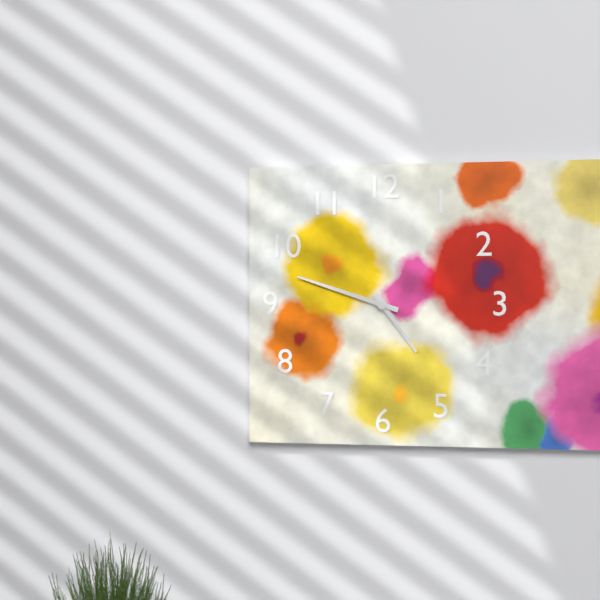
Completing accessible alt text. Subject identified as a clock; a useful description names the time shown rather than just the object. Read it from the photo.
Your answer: 4:48
